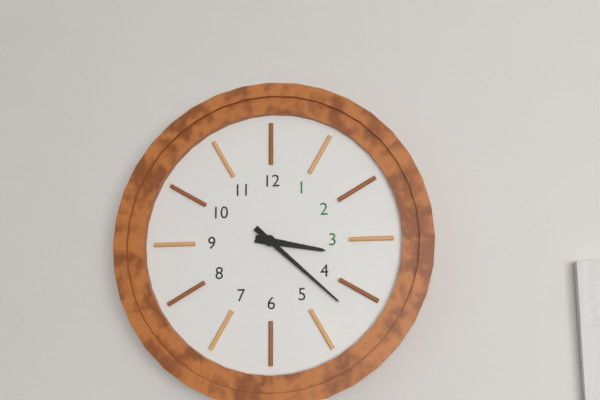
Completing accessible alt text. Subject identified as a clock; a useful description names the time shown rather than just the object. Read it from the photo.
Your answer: 3:22
